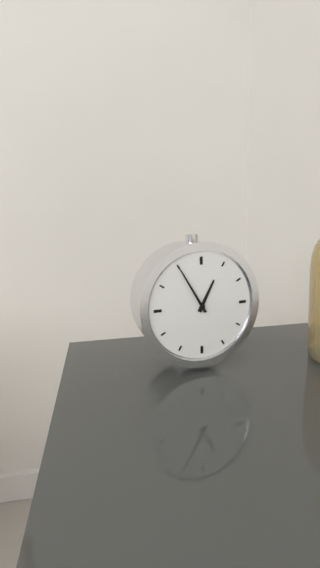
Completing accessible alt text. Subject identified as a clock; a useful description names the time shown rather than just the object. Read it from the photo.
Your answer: 12:55
